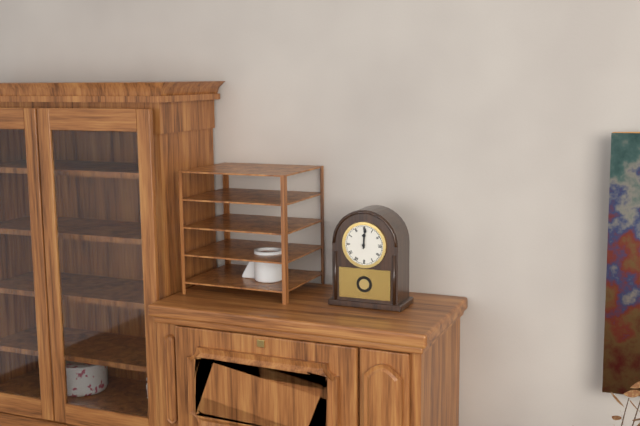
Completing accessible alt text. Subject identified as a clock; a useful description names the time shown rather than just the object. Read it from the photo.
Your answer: 12:01
